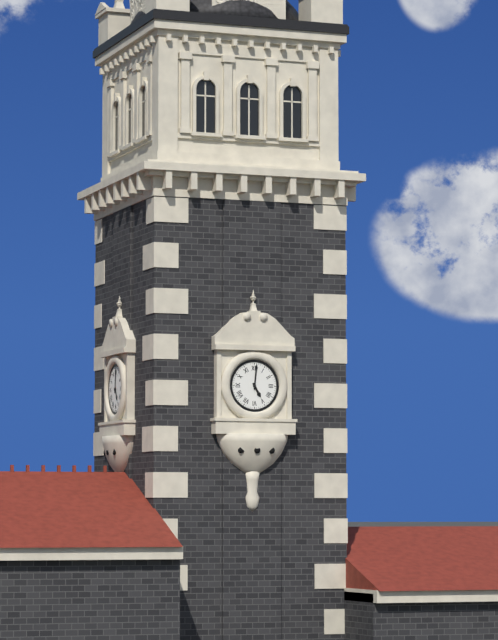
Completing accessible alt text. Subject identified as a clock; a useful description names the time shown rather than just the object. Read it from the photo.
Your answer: 5:01
